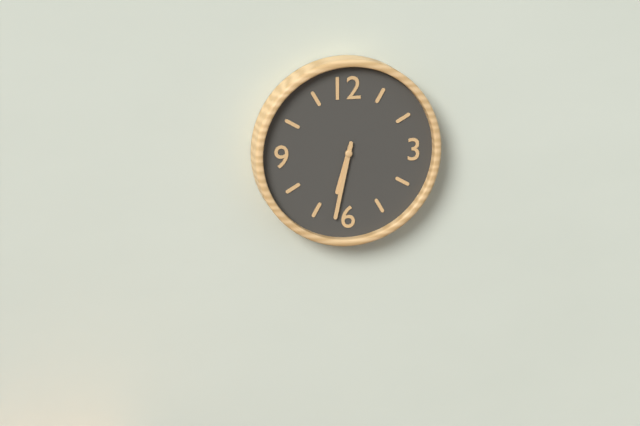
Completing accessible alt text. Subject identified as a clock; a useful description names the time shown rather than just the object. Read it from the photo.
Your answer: 6:32
